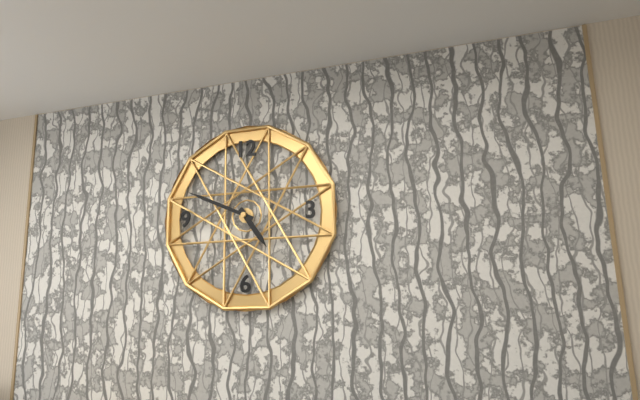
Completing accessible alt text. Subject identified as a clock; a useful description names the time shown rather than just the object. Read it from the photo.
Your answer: 4:49
